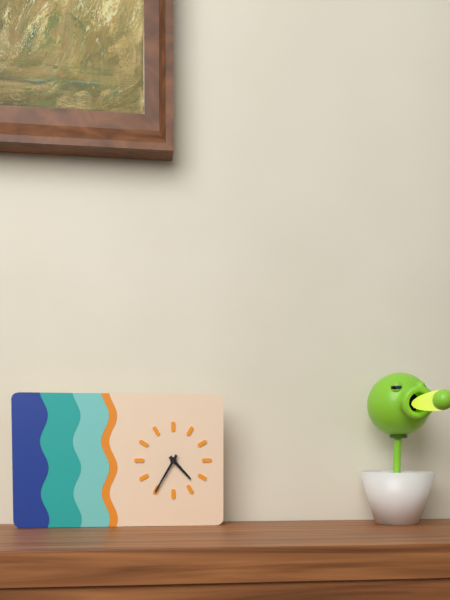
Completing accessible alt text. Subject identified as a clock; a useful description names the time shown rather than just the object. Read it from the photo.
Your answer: 4:35
